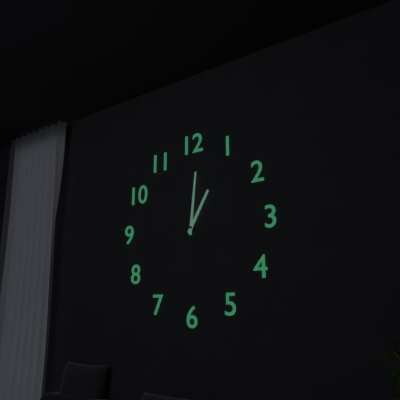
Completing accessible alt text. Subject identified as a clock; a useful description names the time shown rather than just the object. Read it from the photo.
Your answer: 1:01
